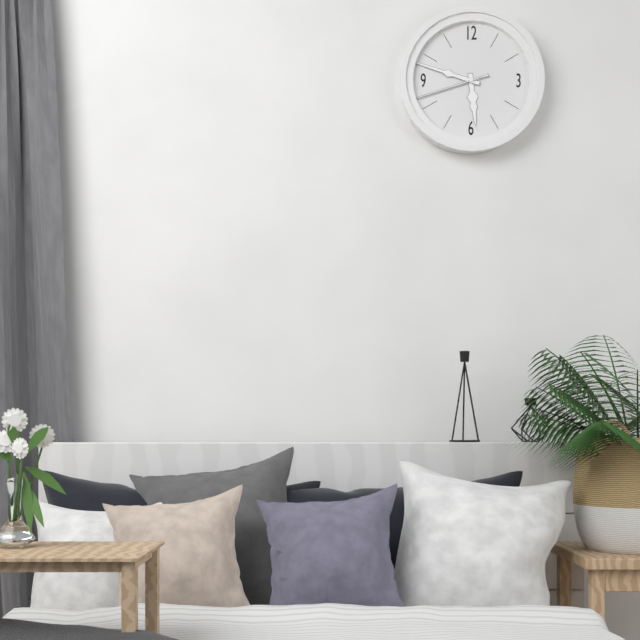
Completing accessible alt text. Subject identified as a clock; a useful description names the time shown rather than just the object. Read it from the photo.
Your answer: 5:48:42
